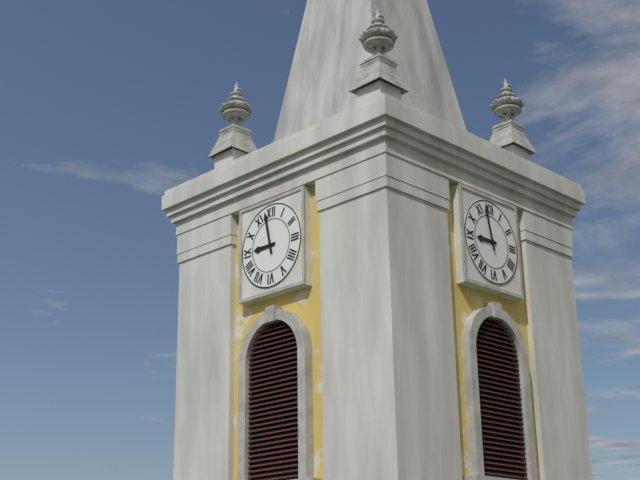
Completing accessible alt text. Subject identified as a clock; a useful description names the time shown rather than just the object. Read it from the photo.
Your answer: 8:58
